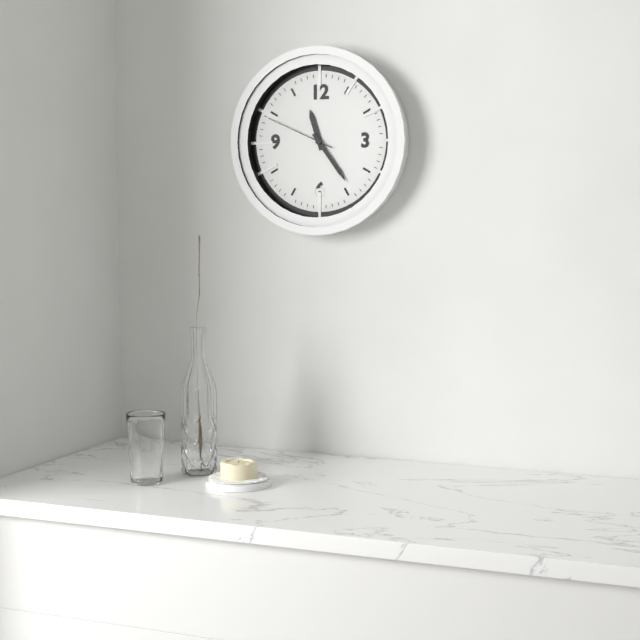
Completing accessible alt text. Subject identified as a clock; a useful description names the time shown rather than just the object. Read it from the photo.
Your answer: 11:24:49
